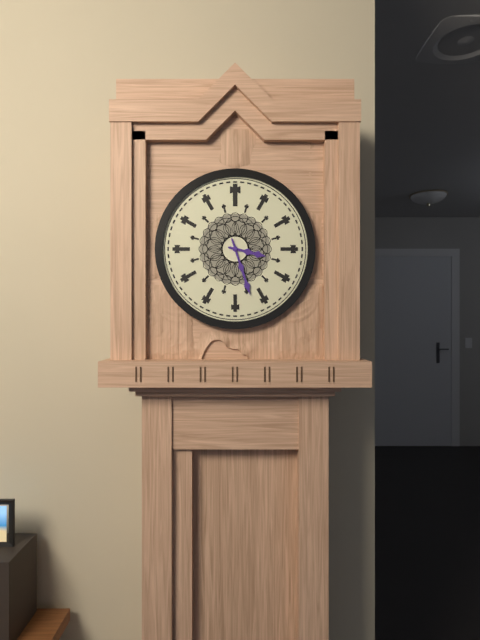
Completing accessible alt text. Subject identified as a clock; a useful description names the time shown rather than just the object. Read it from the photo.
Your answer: 3:27
